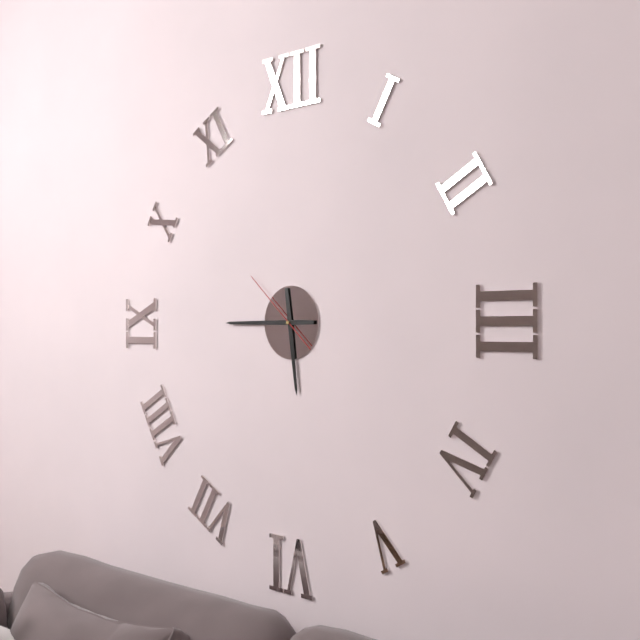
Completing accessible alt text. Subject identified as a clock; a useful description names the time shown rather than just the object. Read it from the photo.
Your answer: 5:45:52
